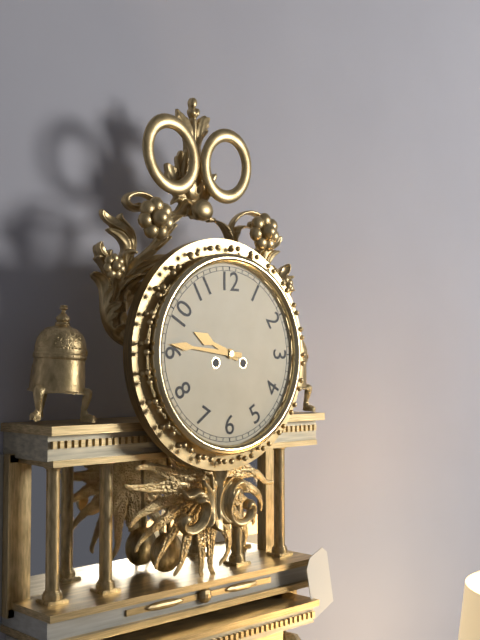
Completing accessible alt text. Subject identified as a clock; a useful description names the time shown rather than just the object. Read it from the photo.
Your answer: 9:46
